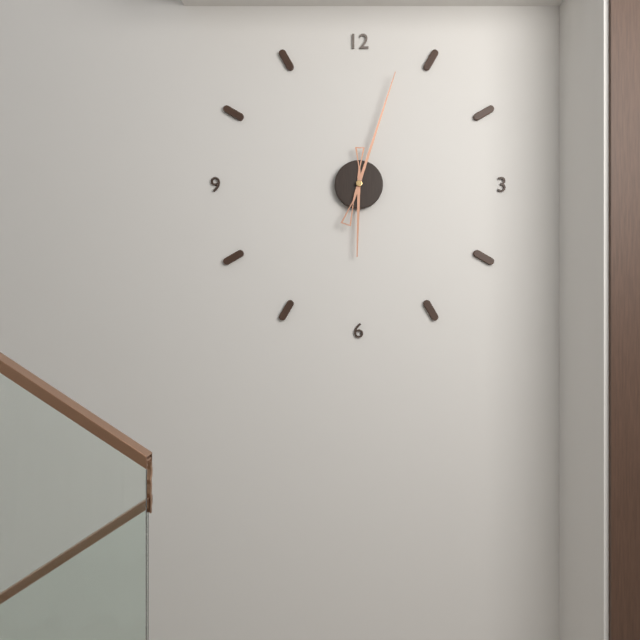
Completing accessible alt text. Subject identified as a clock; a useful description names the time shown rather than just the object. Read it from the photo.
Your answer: 6:03
